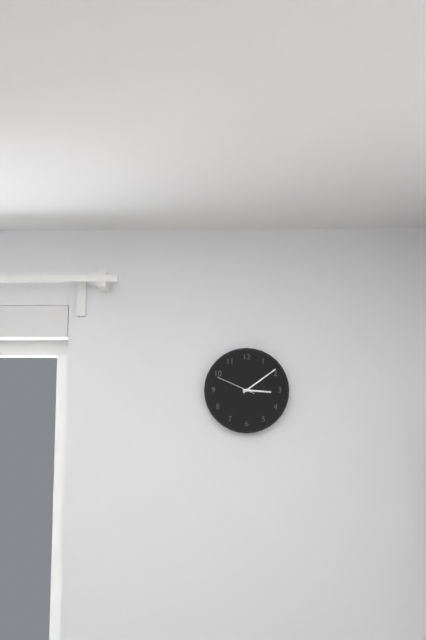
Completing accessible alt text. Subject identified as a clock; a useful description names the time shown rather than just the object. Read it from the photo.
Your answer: 3:09
